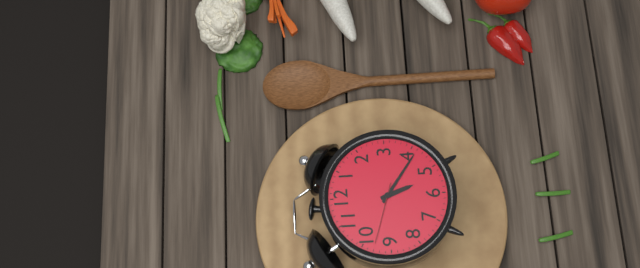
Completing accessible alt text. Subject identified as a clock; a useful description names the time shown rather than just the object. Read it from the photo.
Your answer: 5:21:48
